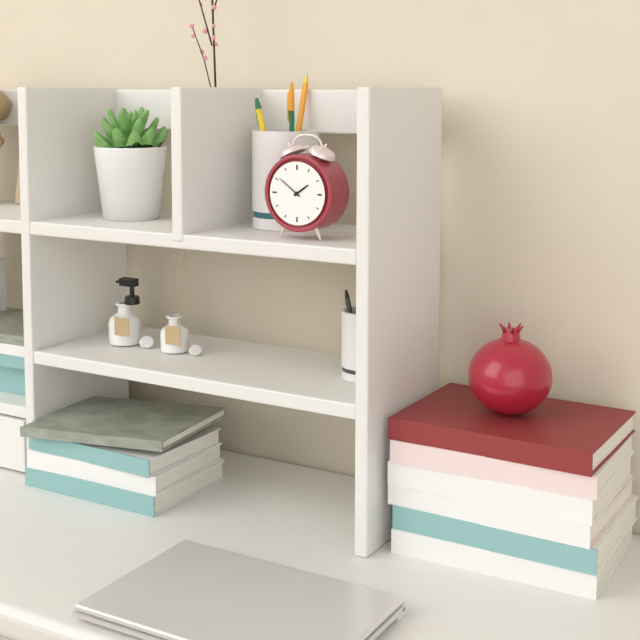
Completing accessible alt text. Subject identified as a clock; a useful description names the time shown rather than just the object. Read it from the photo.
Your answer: 1:51
